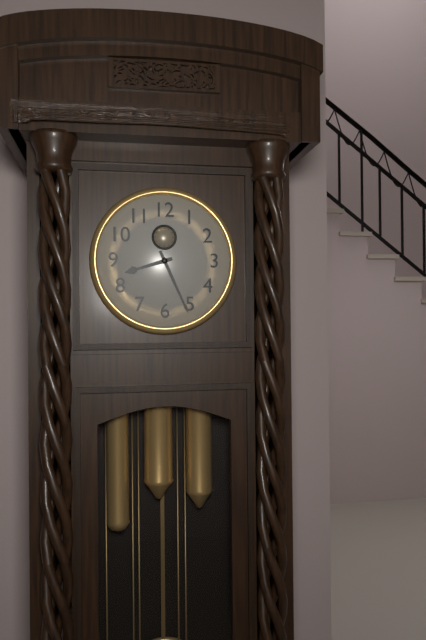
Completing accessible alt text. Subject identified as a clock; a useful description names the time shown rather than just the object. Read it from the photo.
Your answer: 8:26
